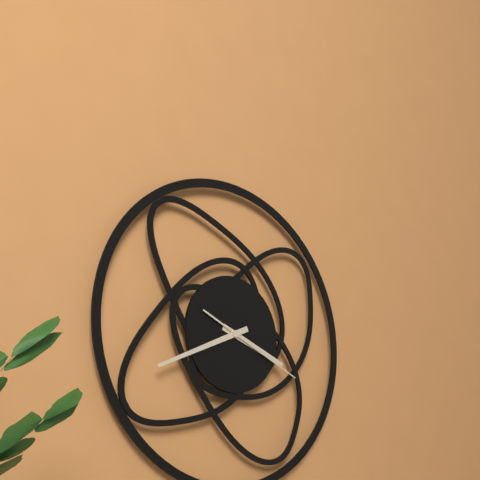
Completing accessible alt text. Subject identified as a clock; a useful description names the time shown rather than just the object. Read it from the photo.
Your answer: 3:41:19
